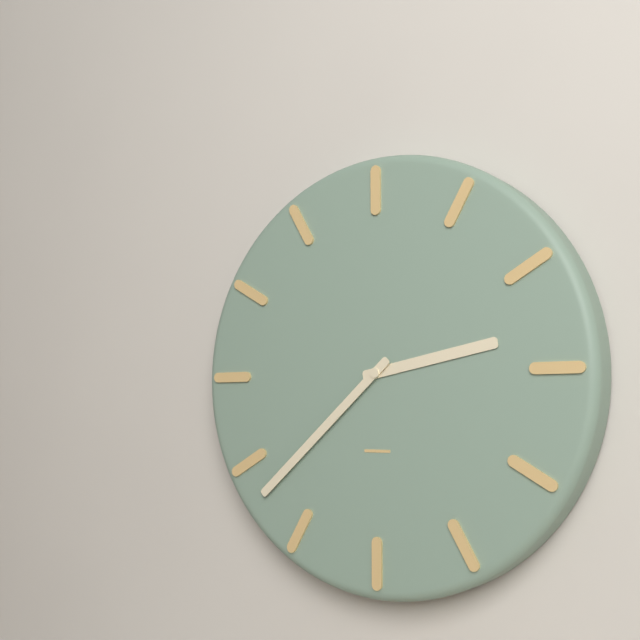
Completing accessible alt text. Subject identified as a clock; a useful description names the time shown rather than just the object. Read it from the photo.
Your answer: 2:38
